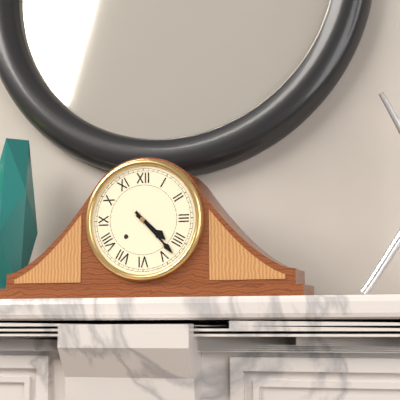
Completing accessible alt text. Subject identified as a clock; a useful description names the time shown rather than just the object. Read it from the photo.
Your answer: 4:23
